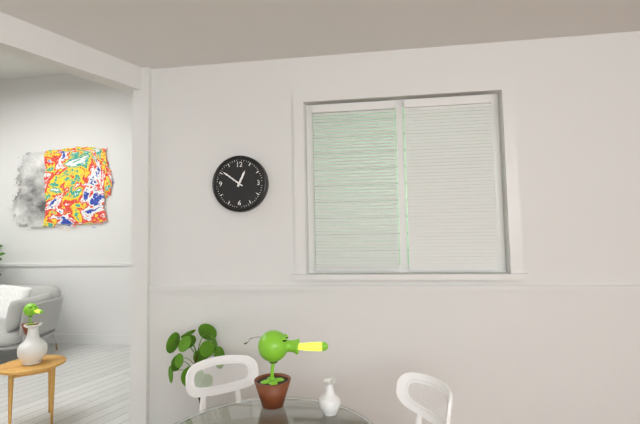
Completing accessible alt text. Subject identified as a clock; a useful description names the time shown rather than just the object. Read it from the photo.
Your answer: 12:51
